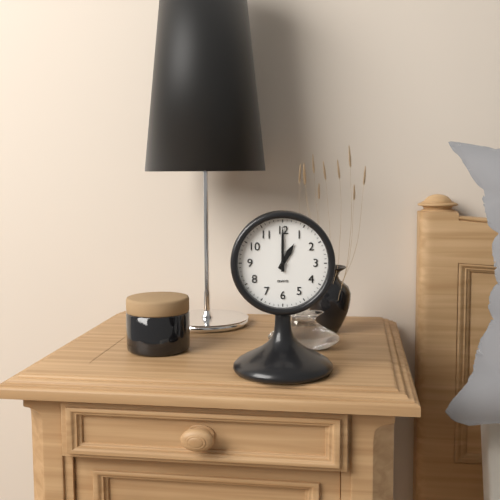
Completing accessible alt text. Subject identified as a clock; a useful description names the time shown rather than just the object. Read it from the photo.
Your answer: 1:00
